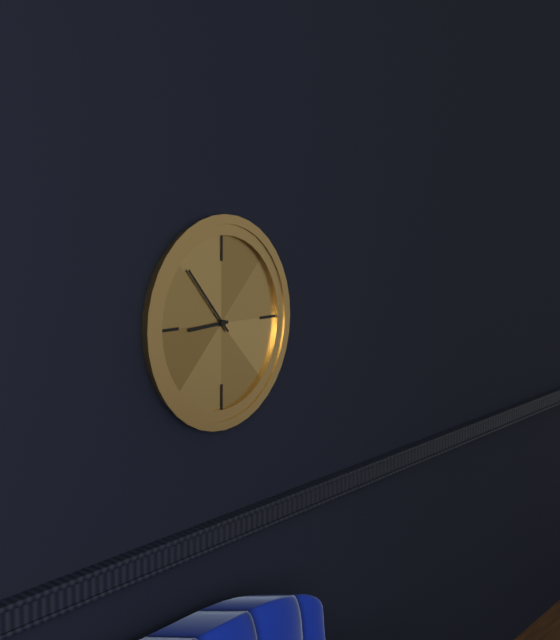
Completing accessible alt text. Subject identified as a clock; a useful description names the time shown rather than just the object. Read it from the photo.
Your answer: 8:53
